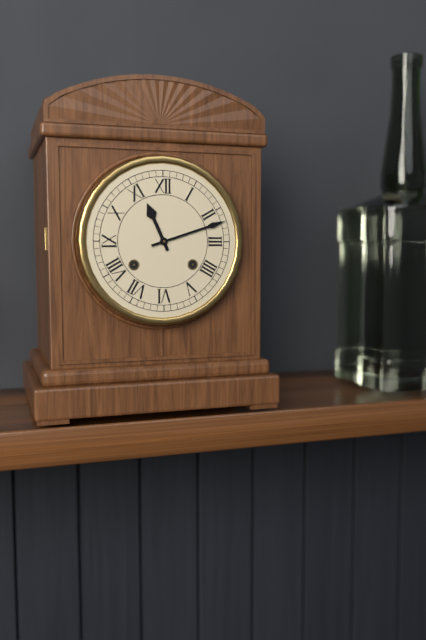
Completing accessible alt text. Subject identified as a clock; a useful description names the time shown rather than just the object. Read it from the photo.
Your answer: 11:12
